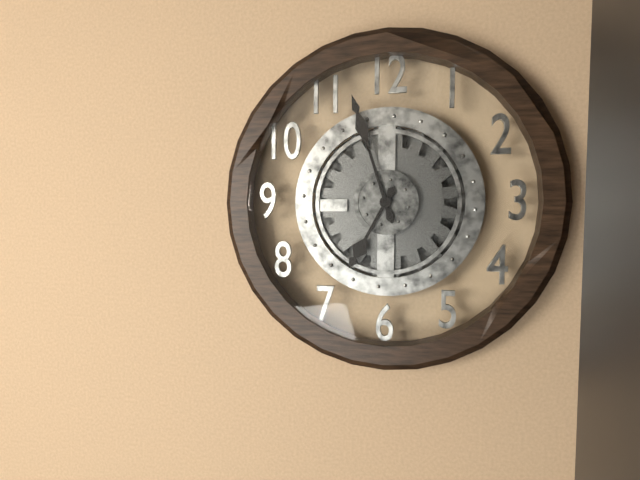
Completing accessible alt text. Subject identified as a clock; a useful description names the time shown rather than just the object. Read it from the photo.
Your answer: 6:57
